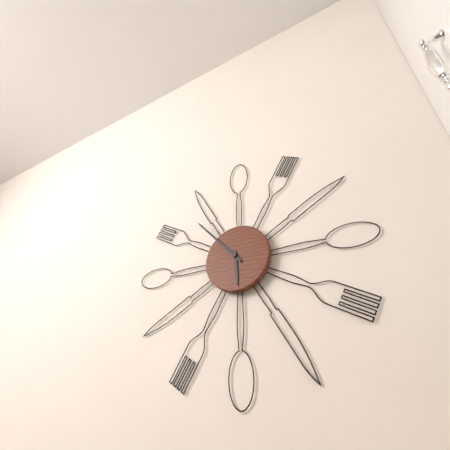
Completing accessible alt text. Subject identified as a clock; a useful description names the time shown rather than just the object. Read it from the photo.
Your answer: 5:53
